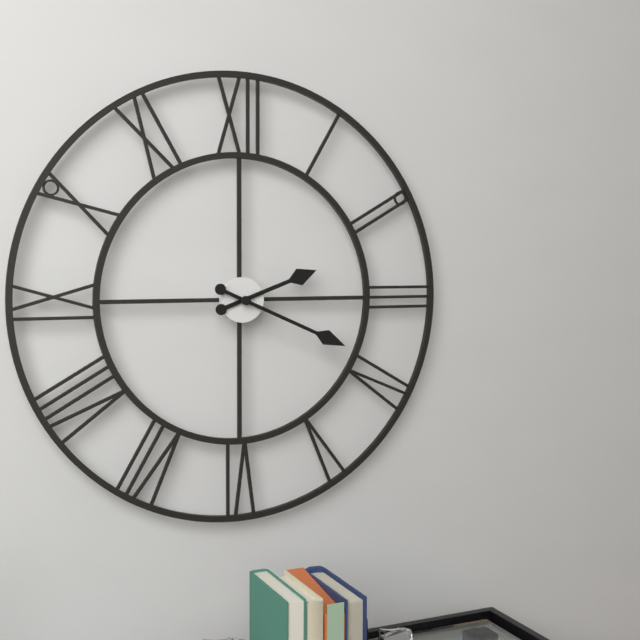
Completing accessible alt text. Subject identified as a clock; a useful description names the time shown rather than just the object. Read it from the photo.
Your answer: 2:19
